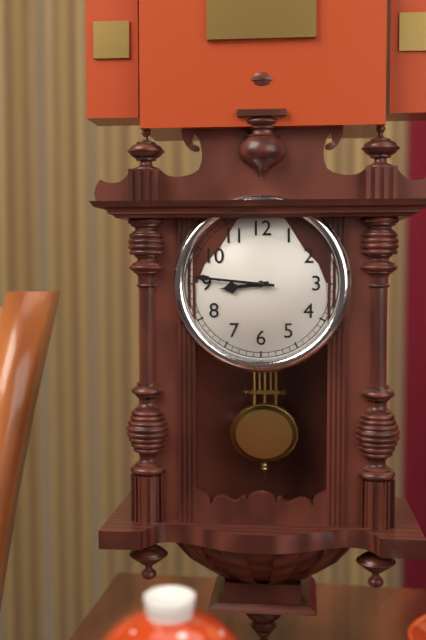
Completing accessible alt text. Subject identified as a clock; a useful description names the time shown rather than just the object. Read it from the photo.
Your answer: 8:46
